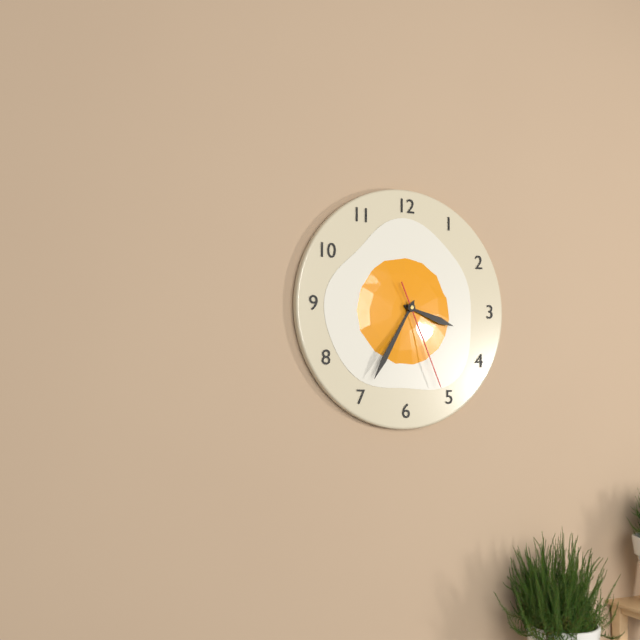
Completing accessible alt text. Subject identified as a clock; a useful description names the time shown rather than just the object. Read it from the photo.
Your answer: 3:35:26
